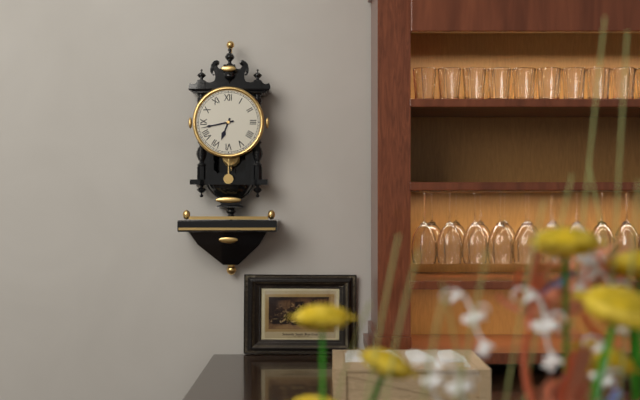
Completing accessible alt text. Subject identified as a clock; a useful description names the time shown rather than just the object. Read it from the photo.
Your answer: 6:43
